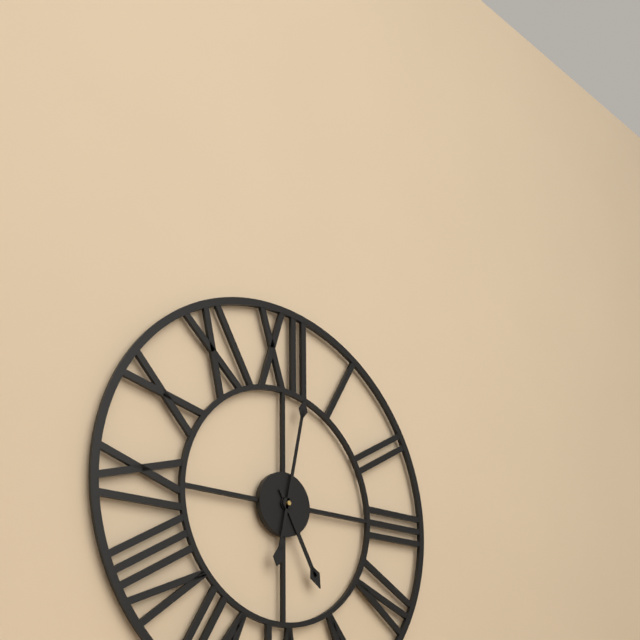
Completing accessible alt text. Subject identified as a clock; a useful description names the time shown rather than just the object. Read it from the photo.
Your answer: 5:02
